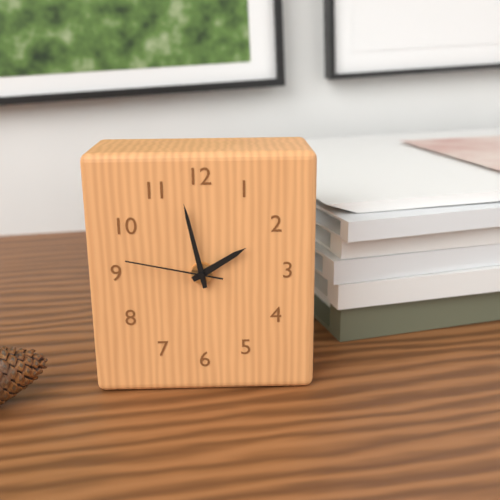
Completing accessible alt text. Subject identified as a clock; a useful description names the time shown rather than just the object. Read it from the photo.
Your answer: 1:58:47
